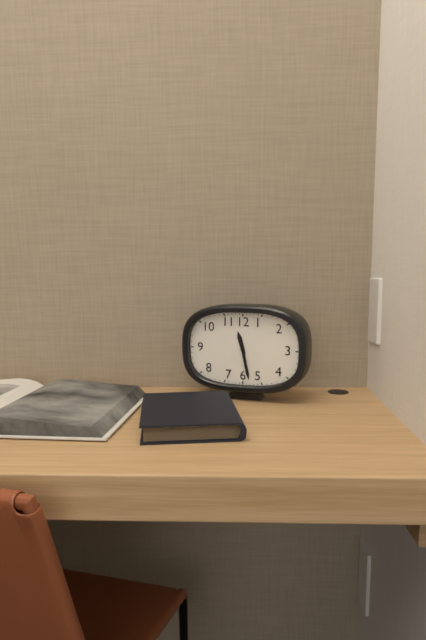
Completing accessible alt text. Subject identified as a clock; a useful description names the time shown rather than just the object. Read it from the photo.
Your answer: 11:28
